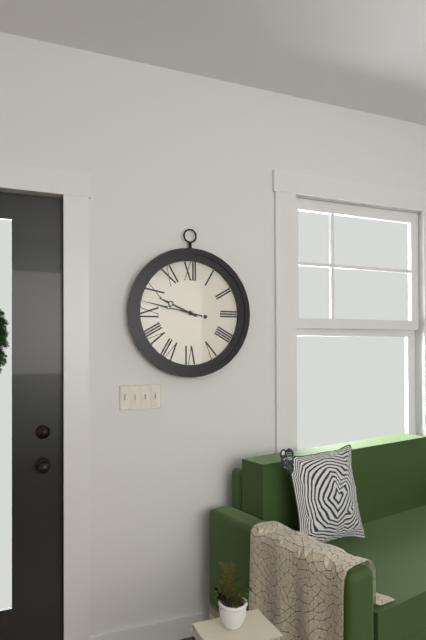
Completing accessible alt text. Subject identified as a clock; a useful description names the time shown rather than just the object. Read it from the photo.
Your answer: 9:47
